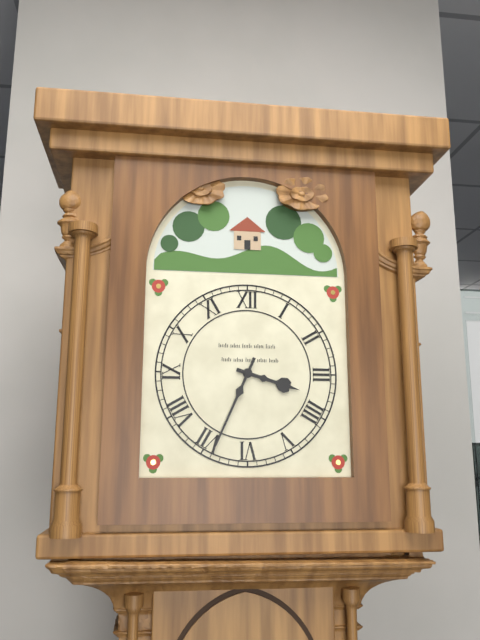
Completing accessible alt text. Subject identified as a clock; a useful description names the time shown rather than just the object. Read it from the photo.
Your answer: 3:34
